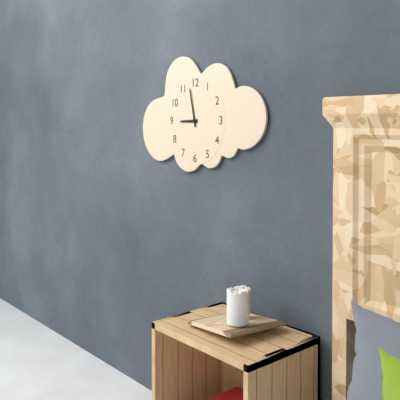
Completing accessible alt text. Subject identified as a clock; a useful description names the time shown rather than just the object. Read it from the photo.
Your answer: 8:58
